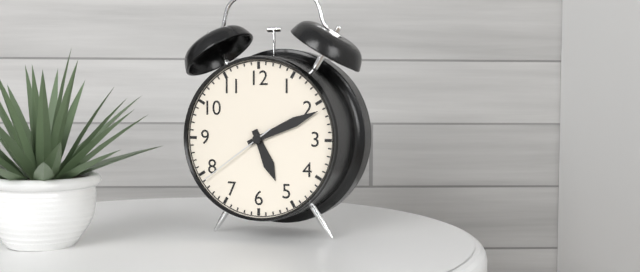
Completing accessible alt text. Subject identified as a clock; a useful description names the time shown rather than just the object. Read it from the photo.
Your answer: 5:11:39
